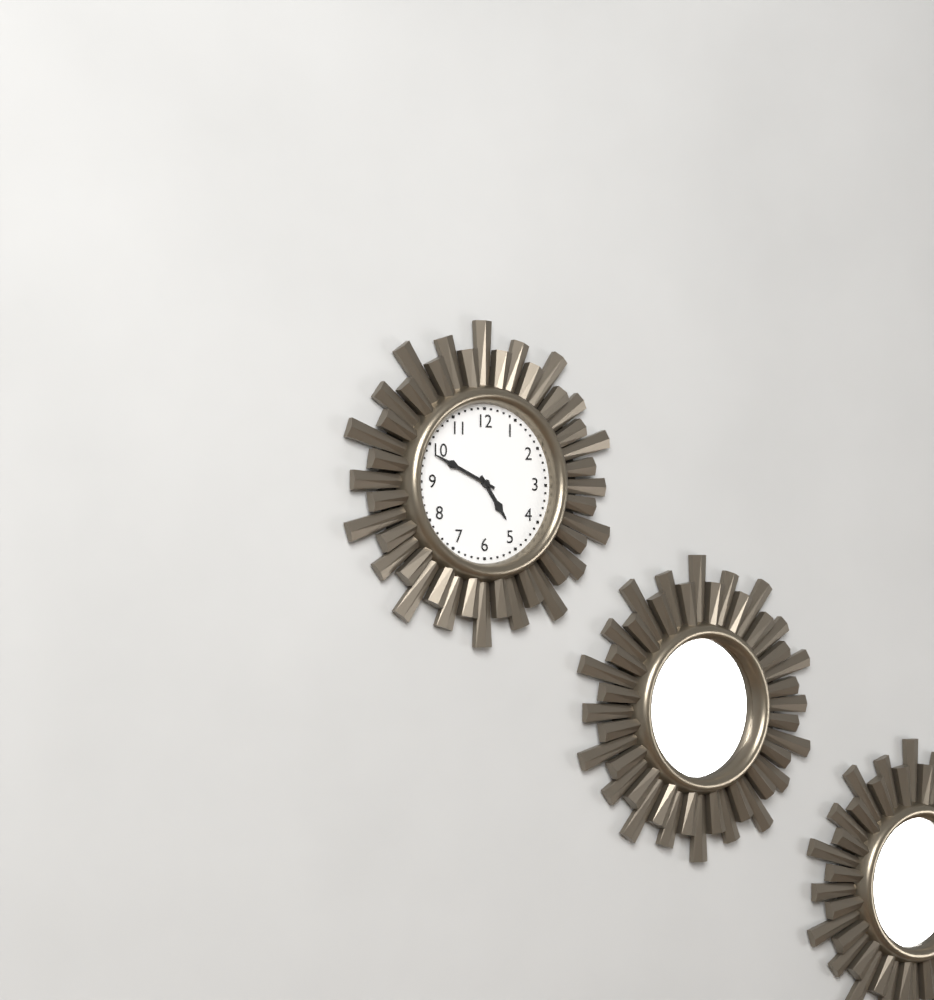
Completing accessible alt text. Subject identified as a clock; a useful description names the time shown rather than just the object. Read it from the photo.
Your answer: 4:49
